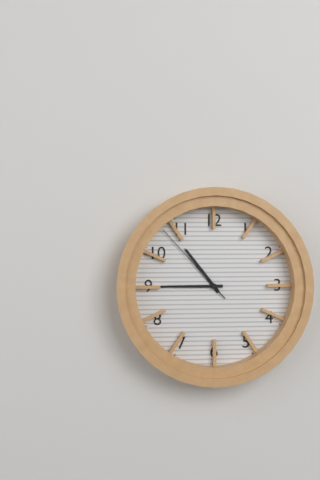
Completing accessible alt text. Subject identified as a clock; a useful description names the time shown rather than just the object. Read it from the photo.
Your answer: 10:45:53
